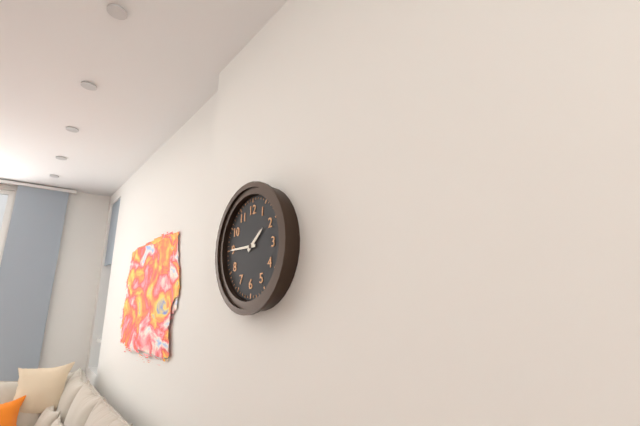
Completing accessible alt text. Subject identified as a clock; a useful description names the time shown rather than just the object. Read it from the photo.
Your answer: 1:45
